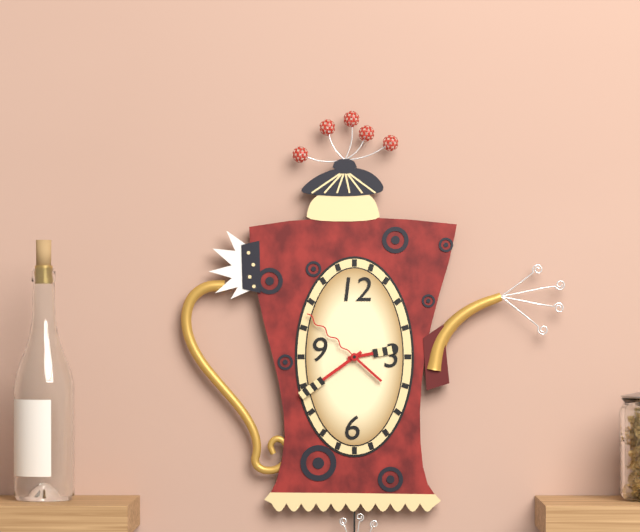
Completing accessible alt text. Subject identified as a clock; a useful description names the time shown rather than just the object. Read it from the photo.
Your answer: 2:39:52
